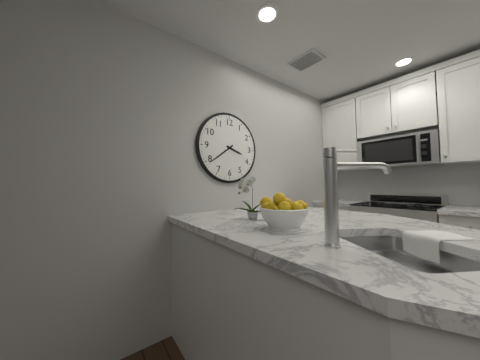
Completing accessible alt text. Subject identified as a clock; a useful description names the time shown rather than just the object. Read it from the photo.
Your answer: 3:39
